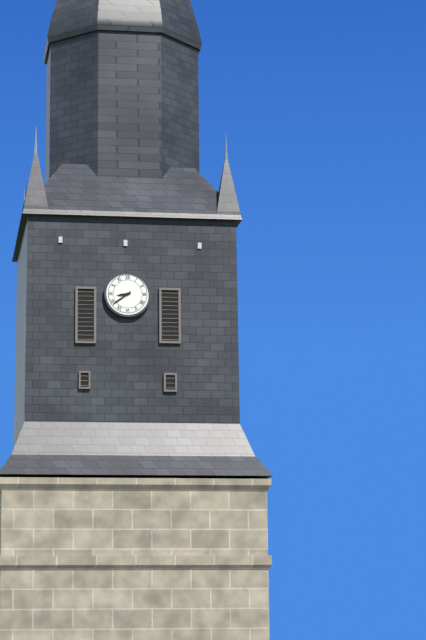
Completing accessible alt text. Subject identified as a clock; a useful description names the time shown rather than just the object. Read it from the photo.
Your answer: 8:39
